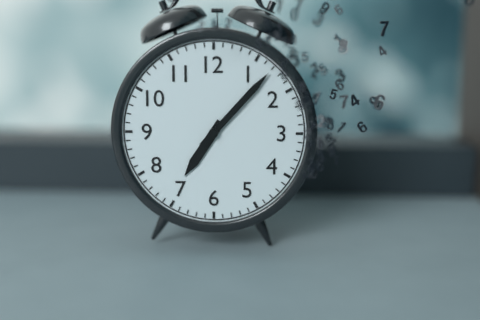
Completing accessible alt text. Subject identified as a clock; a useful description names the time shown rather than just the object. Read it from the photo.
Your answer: 7:07
